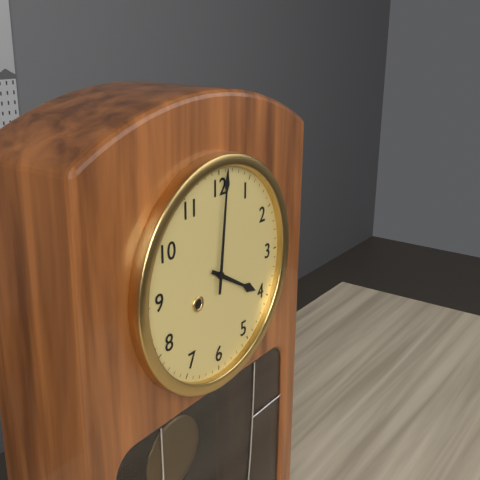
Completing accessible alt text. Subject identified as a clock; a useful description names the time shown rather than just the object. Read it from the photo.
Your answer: 4:01
